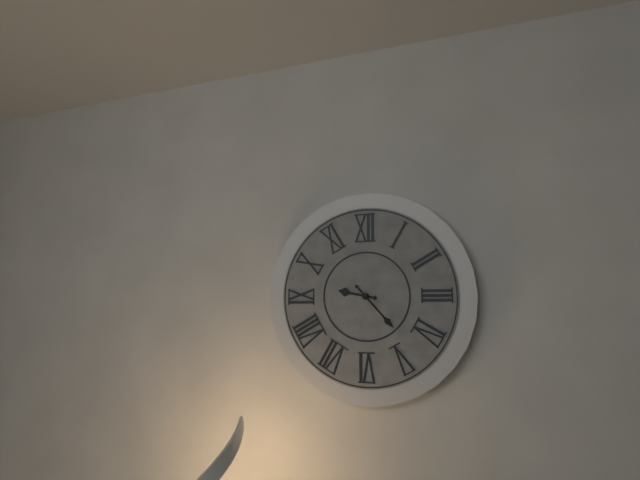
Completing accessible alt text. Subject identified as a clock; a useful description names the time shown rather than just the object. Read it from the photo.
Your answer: 9:23
